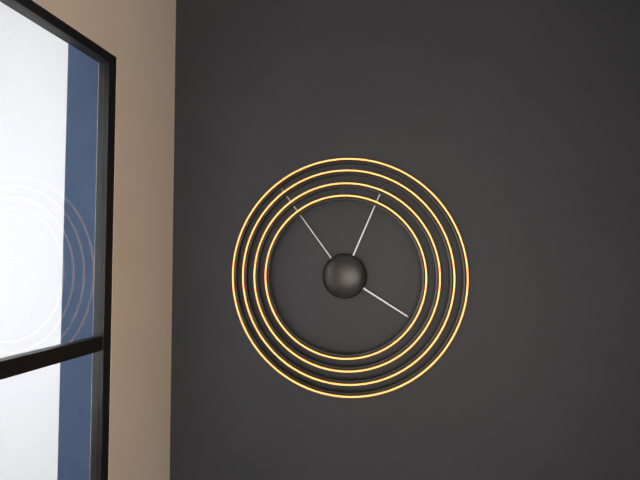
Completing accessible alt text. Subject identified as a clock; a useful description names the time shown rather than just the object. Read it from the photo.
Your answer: 4:04:54
